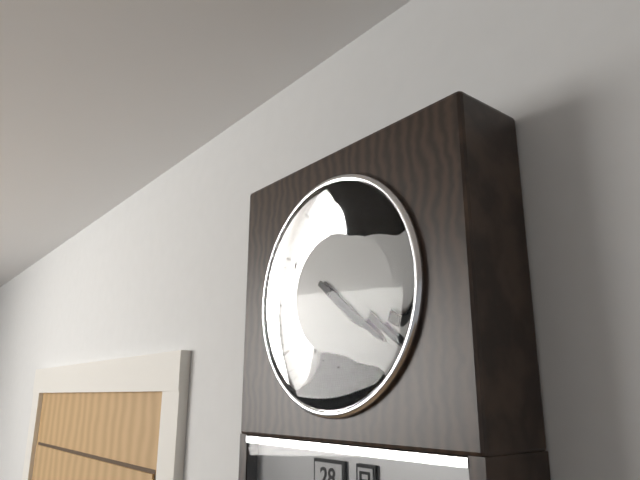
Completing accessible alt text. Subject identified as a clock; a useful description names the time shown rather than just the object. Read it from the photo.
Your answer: 4:21
